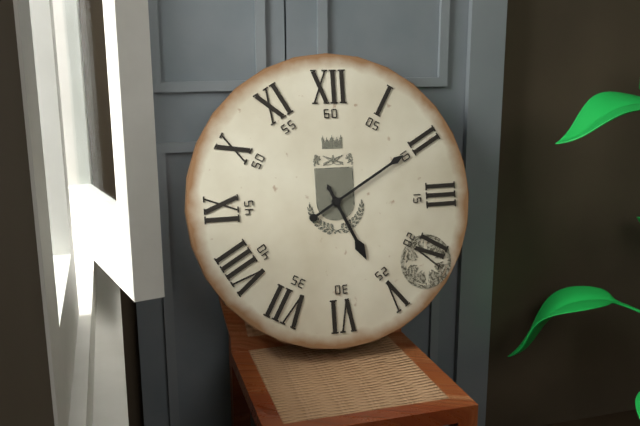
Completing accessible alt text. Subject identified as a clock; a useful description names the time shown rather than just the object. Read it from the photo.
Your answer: 5:10
